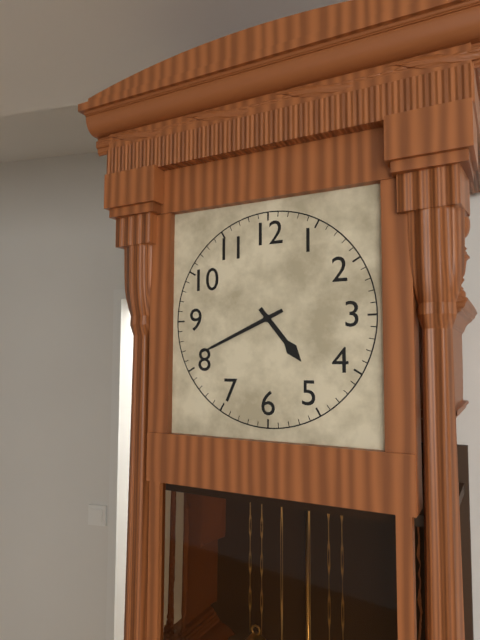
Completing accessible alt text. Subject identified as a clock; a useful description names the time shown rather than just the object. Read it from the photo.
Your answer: 4:41
